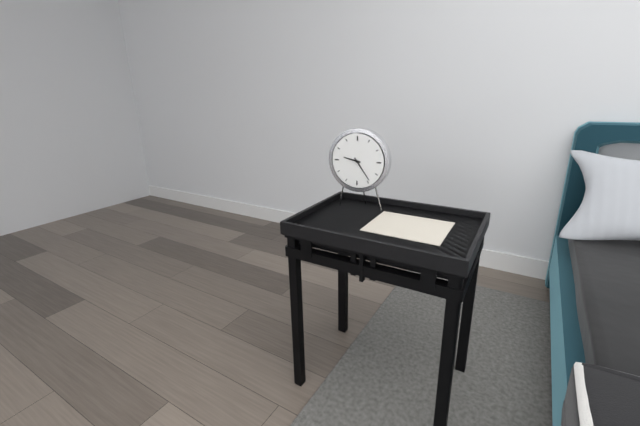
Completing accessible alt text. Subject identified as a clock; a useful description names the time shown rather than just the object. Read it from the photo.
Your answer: 9:24
